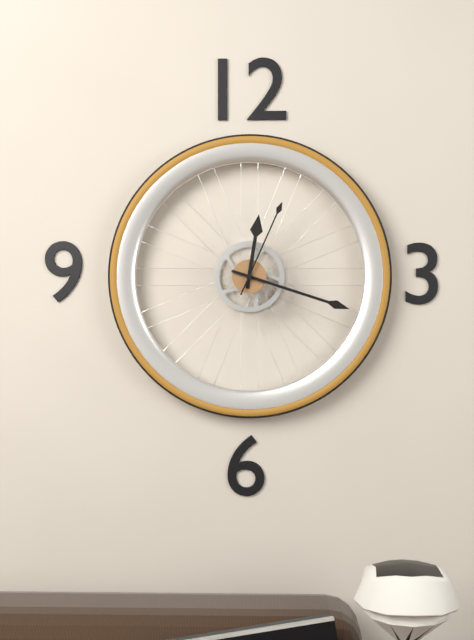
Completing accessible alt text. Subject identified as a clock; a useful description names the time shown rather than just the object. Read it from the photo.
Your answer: 12:18:04
